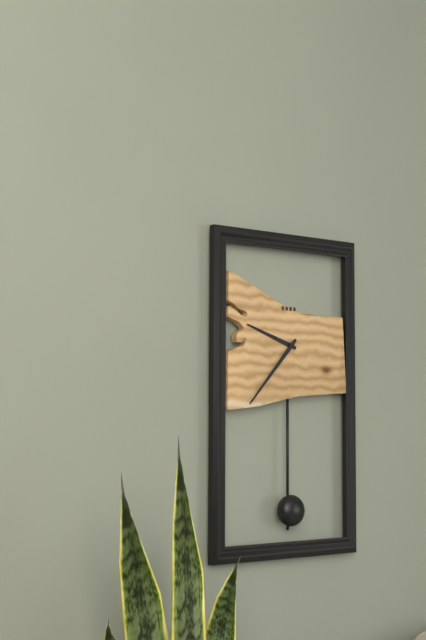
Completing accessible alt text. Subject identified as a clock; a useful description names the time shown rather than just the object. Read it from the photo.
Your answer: 9:37
